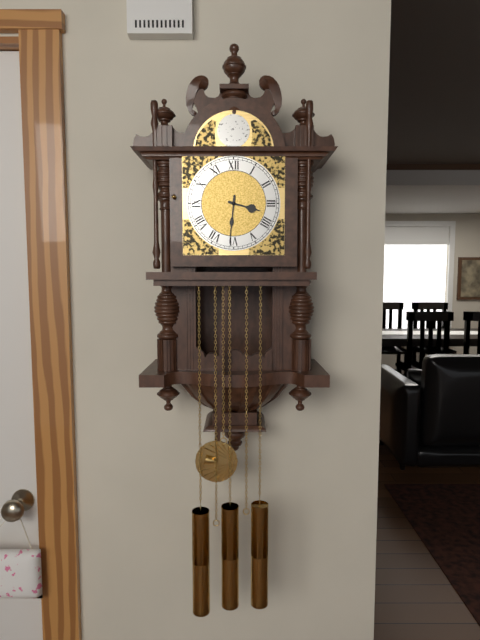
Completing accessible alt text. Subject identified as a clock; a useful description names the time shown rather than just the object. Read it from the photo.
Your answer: 3:31
